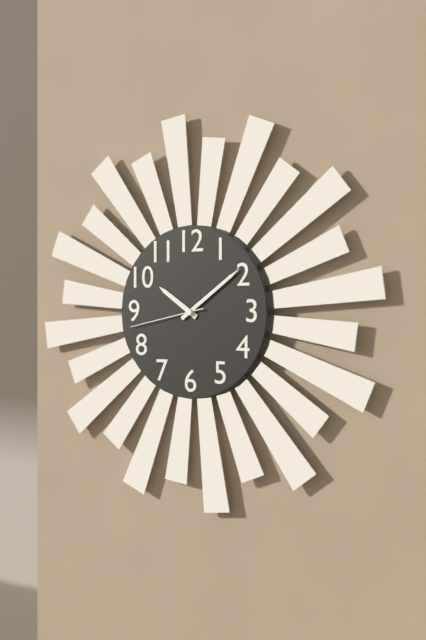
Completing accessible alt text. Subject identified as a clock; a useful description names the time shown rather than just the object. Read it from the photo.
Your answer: 10:09:43
